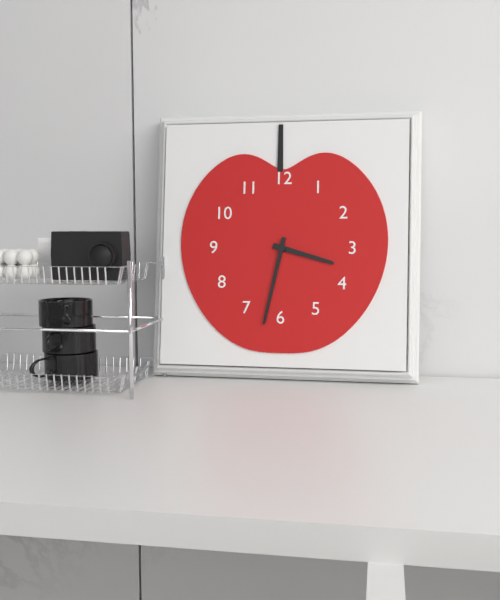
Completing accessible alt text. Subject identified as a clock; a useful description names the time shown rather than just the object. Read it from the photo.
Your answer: 3:32
